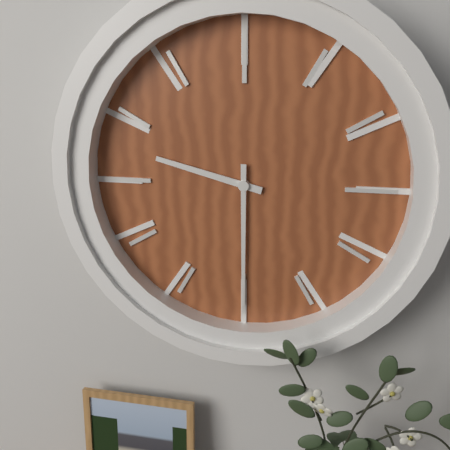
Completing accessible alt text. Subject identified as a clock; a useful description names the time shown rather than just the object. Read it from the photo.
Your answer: 9:30
